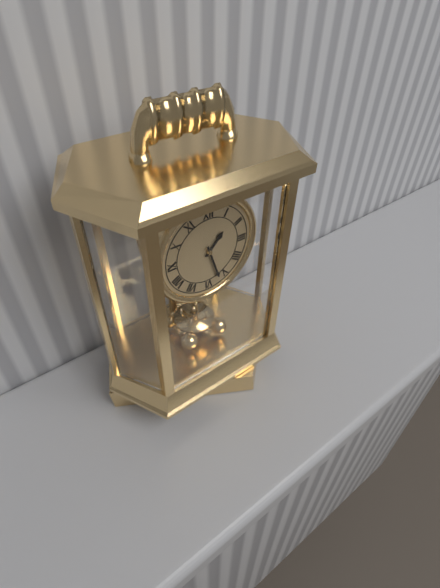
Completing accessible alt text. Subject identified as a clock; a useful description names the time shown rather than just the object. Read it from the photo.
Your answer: 1:27
